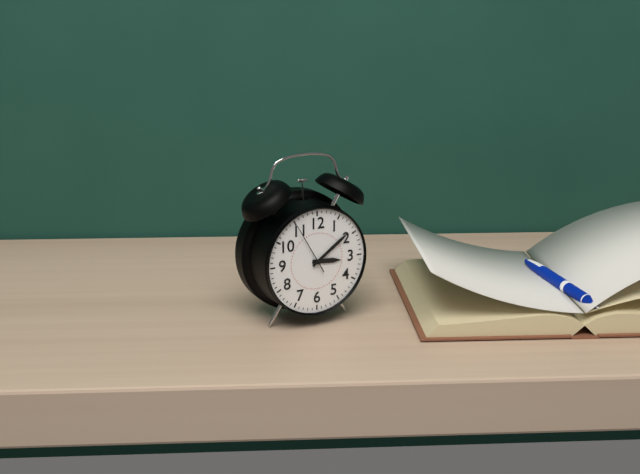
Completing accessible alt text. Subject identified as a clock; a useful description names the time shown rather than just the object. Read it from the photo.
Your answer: 3:09
